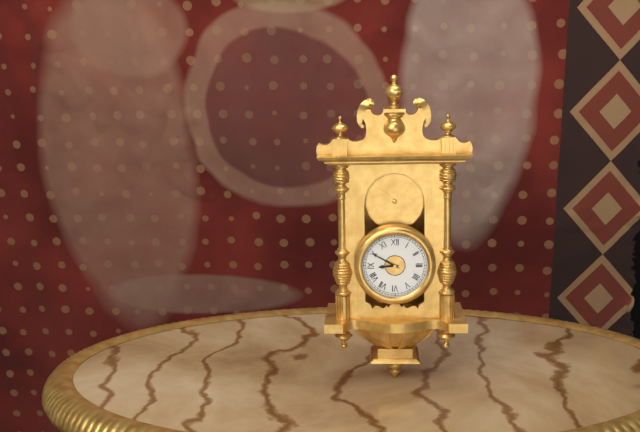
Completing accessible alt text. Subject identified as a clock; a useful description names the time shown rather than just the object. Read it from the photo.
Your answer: 8:50
